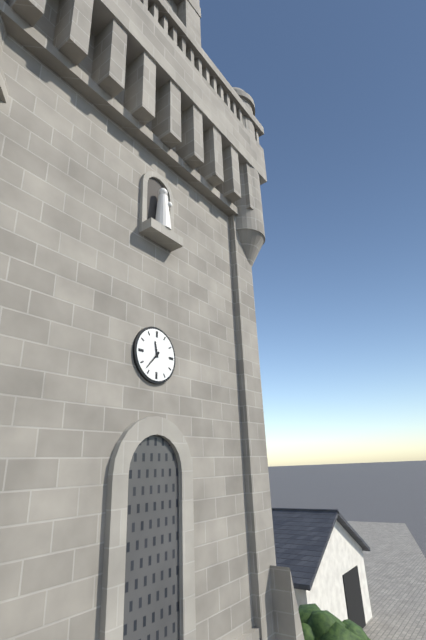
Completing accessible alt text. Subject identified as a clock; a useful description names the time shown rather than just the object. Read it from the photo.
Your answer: 11:37
